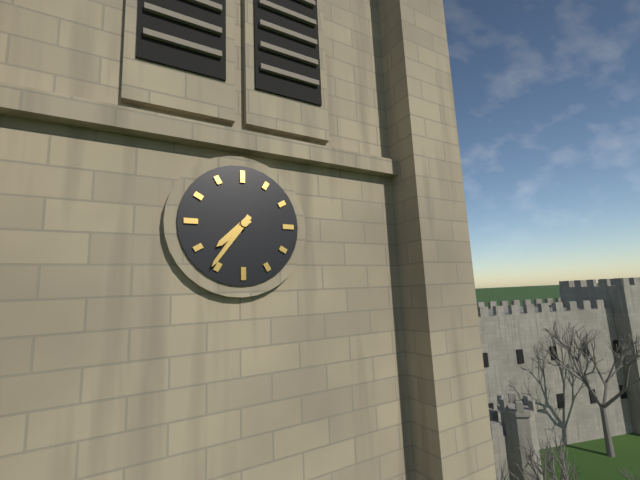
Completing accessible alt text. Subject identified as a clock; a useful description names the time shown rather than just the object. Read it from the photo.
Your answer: 7:36
